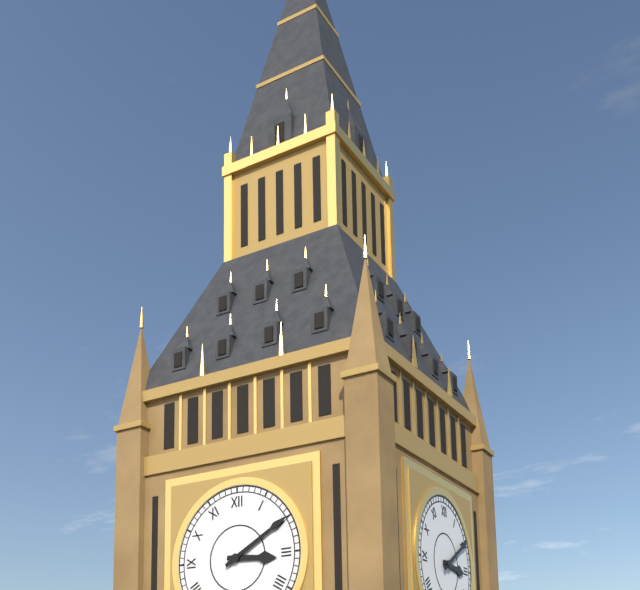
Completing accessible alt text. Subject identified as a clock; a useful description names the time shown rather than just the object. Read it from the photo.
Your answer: 3:10
